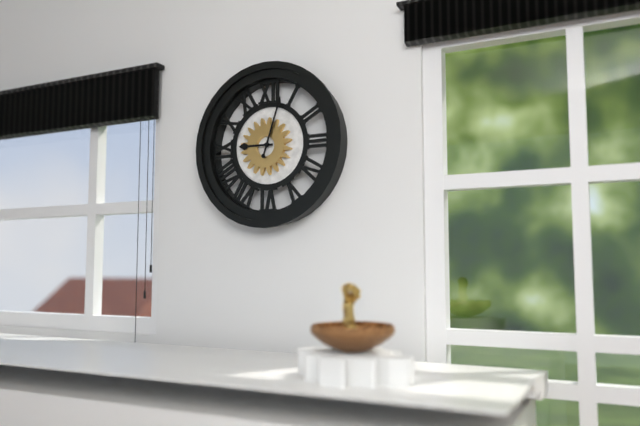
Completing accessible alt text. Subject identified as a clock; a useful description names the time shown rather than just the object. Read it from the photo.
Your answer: 9:03
